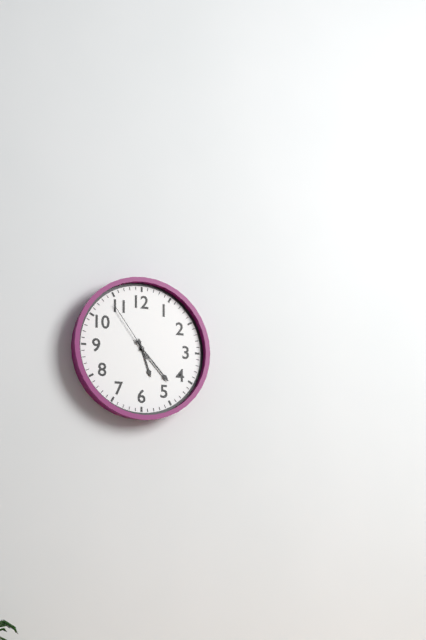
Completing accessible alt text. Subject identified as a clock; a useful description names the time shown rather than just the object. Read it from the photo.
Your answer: 5:23:54
